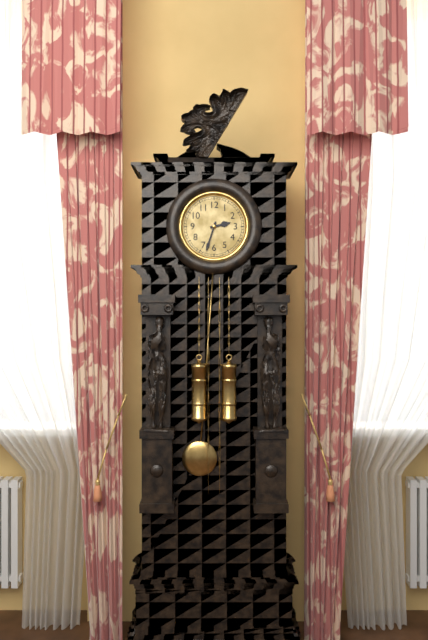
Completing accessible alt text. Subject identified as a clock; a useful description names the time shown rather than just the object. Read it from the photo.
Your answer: 2:33
